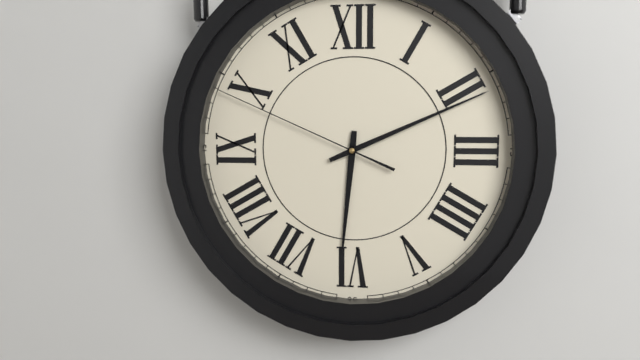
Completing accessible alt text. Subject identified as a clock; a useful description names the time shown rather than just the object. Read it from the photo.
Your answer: 6:11:49
